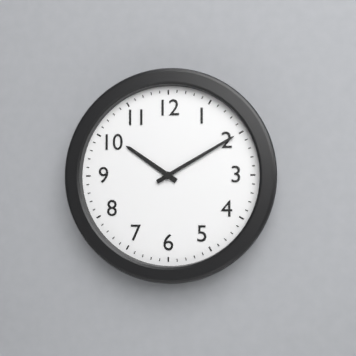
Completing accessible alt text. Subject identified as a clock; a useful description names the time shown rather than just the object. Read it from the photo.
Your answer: 10:10
